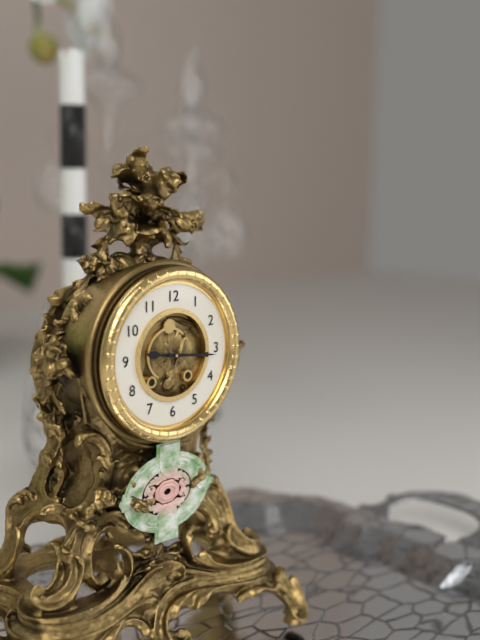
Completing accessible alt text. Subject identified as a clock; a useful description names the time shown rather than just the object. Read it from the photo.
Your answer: 9:16
